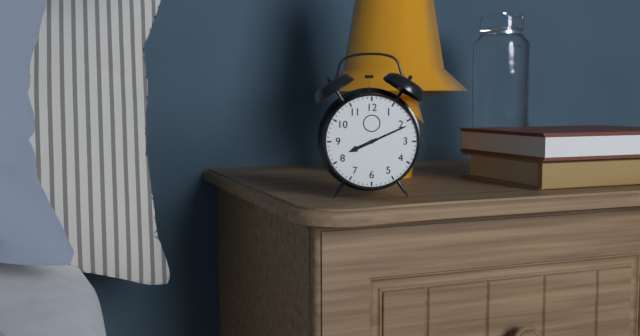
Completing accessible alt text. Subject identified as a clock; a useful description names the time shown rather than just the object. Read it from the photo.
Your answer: 8:11
